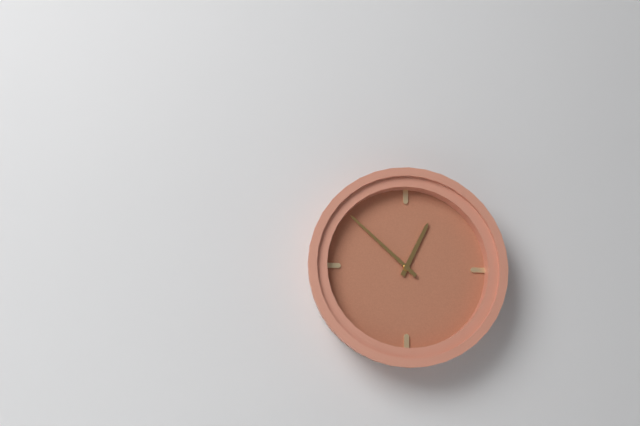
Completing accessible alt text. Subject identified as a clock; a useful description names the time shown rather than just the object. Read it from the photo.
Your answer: 12:52
